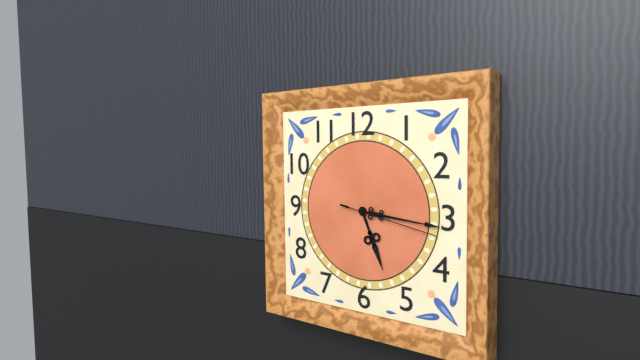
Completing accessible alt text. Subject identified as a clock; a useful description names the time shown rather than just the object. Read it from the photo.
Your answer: 5:16:17
